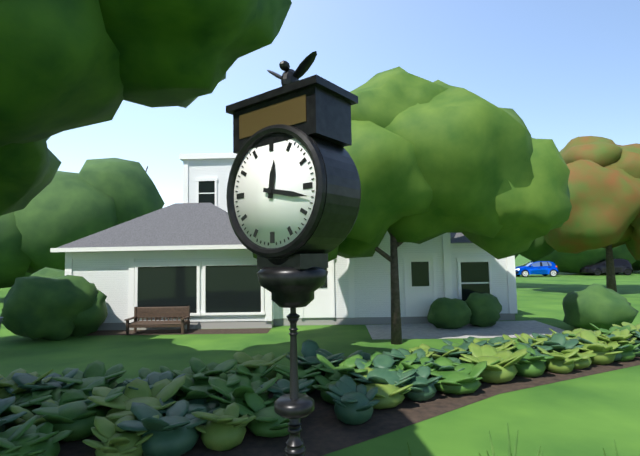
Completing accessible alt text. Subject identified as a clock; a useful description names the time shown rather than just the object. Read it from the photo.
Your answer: 12:17
